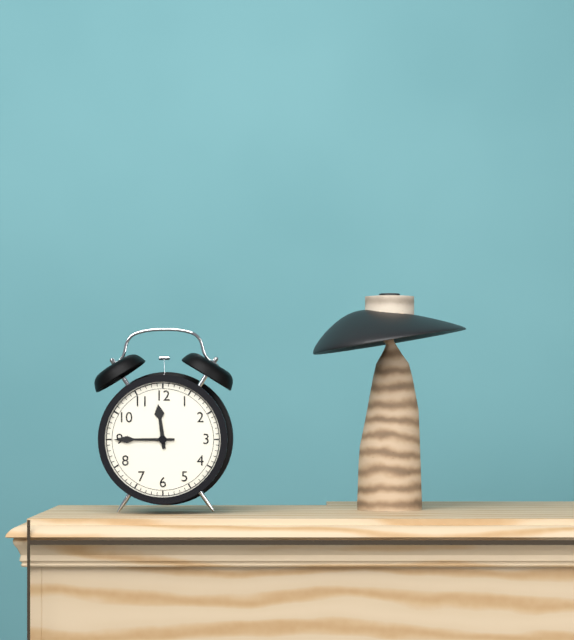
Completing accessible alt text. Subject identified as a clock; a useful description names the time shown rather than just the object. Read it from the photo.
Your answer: 11:45
